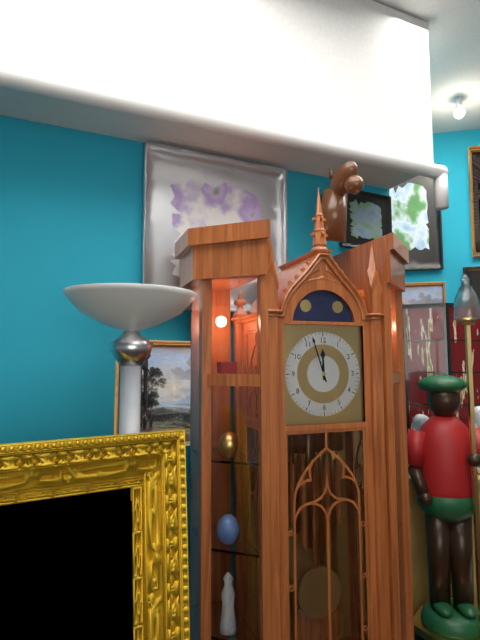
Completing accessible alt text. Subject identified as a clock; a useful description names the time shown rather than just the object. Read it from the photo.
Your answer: 11:57
